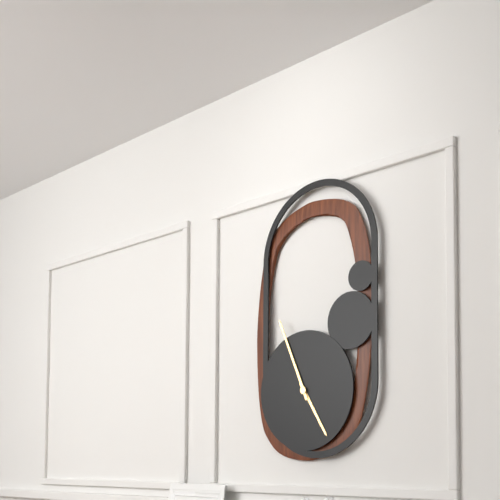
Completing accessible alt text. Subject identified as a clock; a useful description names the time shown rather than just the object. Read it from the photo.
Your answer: 4:56
